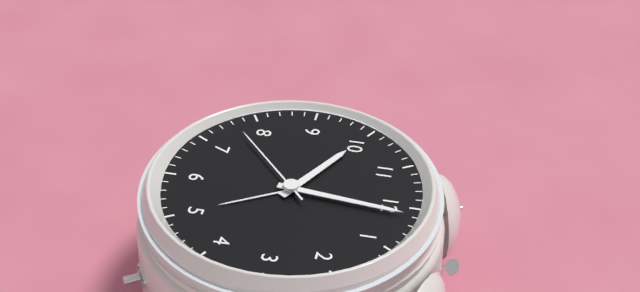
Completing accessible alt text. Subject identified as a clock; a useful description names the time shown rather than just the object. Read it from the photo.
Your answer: 10:01:38
